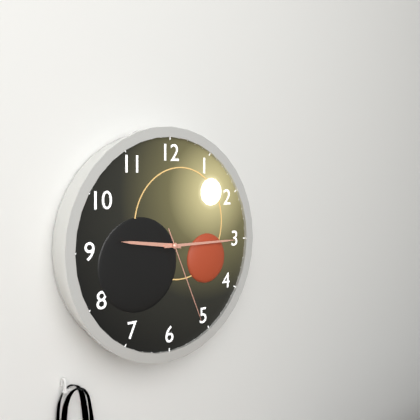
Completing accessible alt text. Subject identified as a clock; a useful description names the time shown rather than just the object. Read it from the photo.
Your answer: 9:15:26
